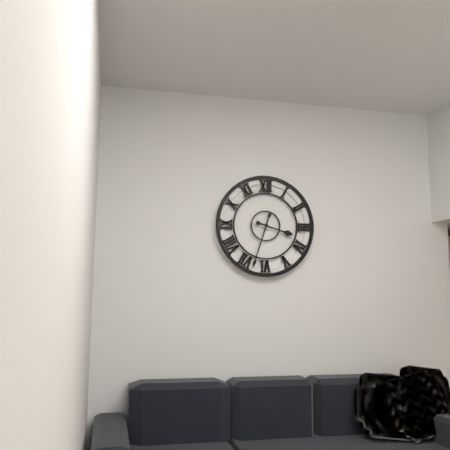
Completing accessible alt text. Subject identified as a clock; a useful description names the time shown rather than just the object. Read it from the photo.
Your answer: 3:33
